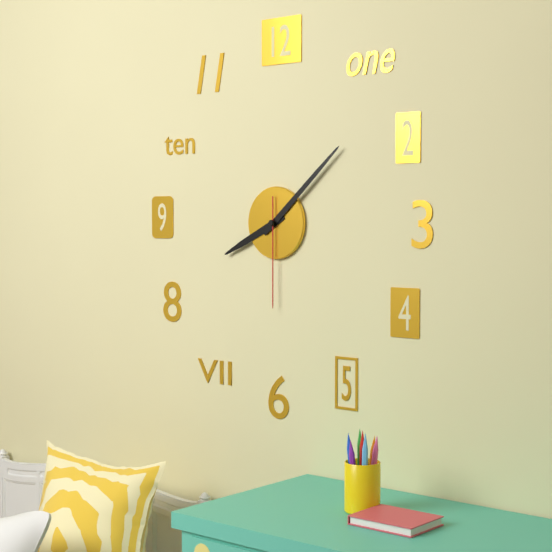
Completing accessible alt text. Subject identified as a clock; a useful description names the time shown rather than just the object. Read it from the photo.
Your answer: 8:08:30
